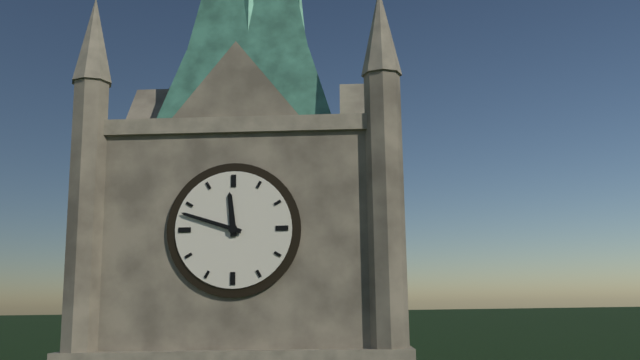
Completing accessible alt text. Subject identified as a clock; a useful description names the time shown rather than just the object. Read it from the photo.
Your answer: 11:48
